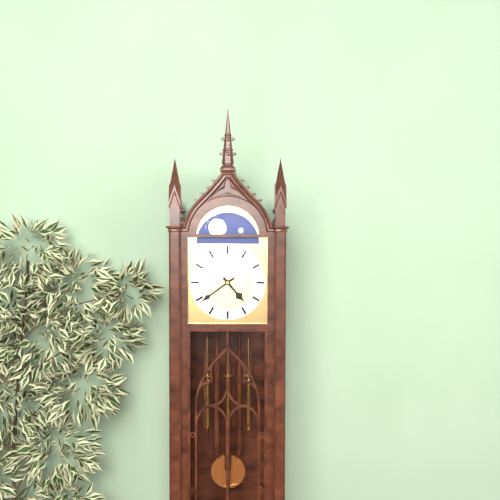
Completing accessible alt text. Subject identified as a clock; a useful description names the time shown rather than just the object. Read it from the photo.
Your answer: 4:39
